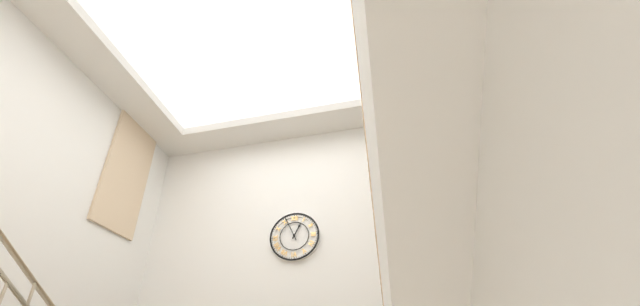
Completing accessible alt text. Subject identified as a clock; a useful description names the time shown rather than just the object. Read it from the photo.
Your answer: 12:56
